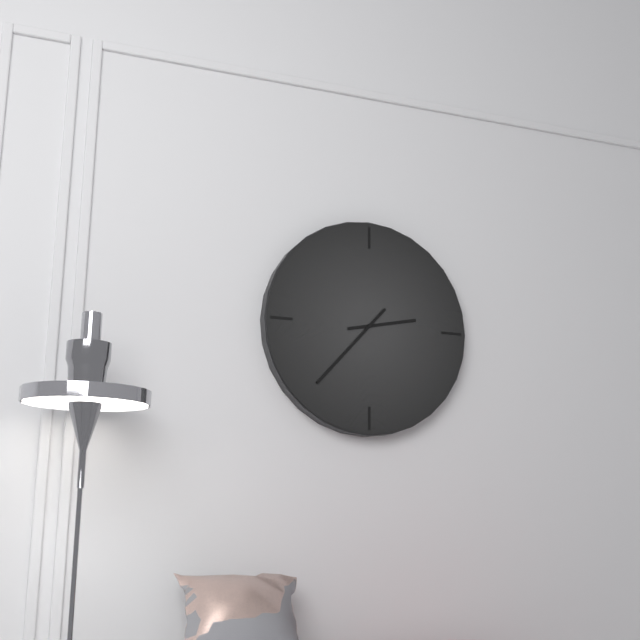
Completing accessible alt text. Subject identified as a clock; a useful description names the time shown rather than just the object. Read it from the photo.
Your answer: 2:37
